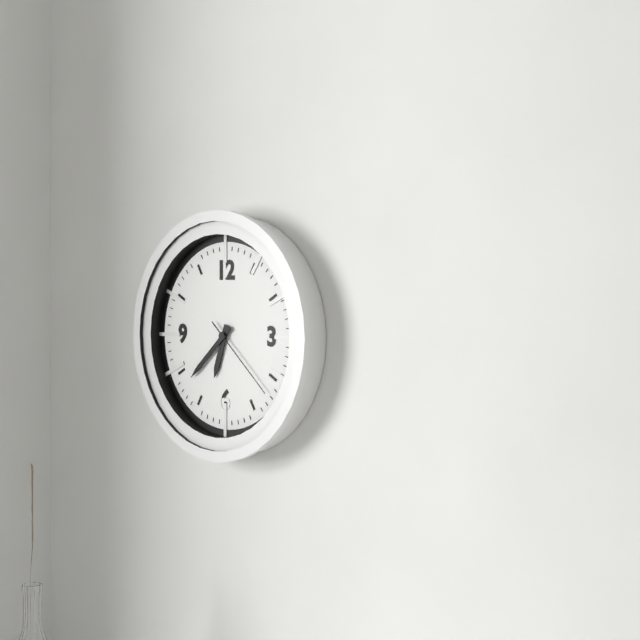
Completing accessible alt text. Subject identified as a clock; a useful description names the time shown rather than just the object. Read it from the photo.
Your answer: 6:38:22
